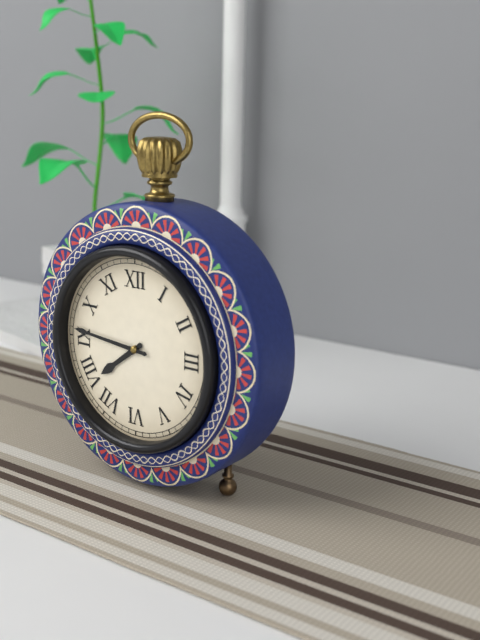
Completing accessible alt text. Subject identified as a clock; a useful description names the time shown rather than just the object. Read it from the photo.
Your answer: 7:46
